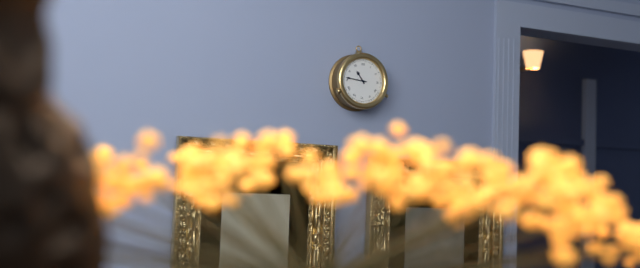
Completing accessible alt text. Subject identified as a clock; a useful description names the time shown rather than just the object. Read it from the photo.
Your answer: 10:46
